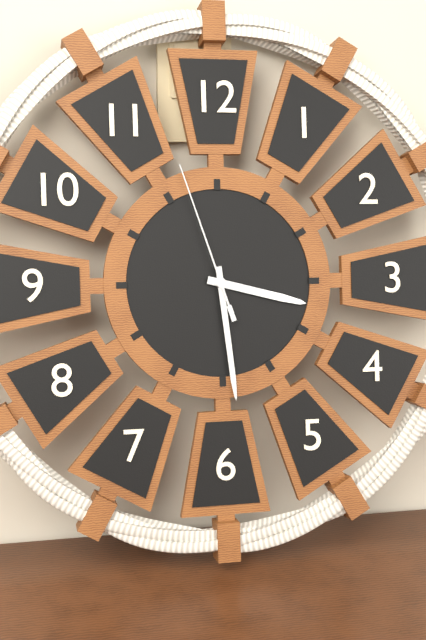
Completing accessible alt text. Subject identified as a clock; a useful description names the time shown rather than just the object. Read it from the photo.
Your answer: 3:29:57
